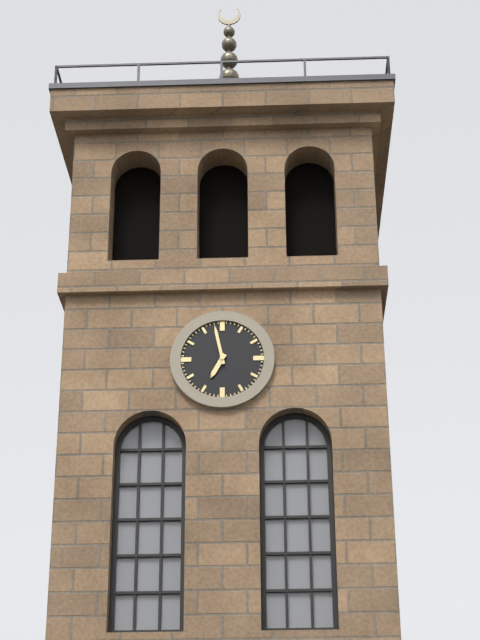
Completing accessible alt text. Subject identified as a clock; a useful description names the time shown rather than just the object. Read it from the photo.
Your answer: 6:58
